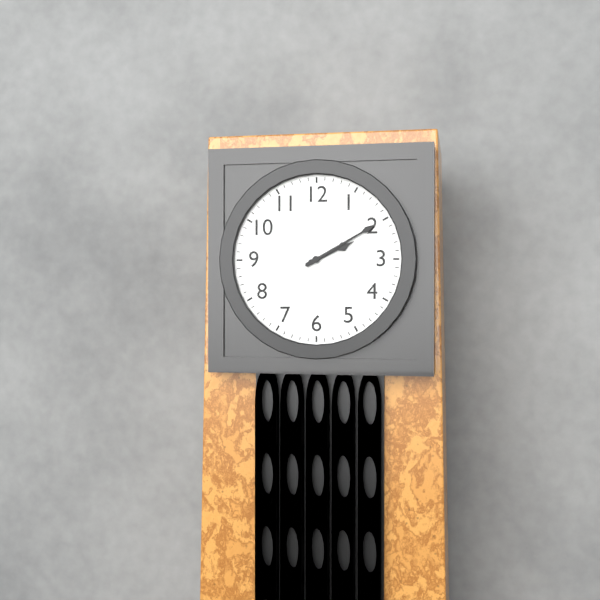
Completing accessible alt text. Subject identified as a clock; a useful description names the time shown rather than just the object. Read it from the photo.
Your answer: 2:10
